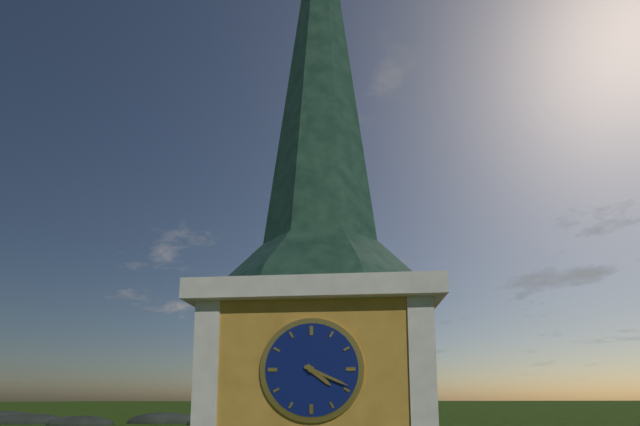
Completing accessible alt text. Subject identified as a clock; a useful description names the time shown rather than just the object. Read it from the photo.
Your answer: 4:19
